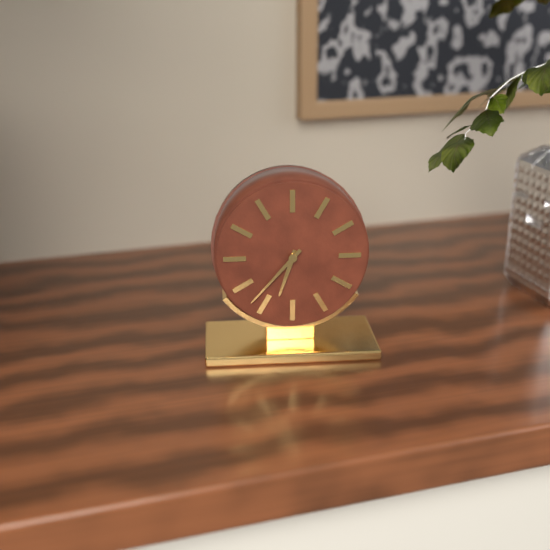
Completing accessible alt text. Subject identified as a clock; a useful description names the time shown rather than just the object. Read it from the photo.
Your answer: 6:37
